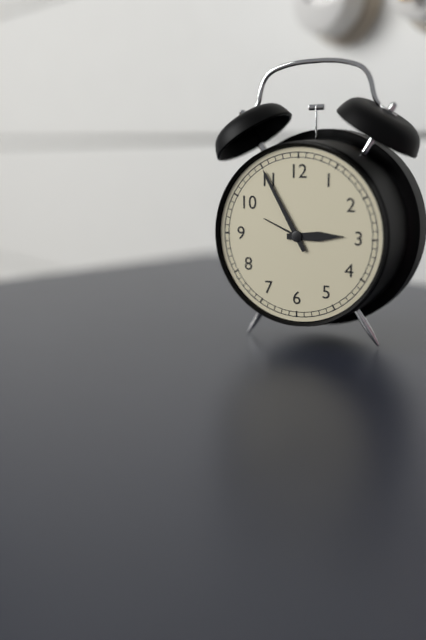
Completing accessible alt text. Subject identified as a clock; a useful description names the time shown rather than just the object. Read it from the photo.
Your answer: 2:55
